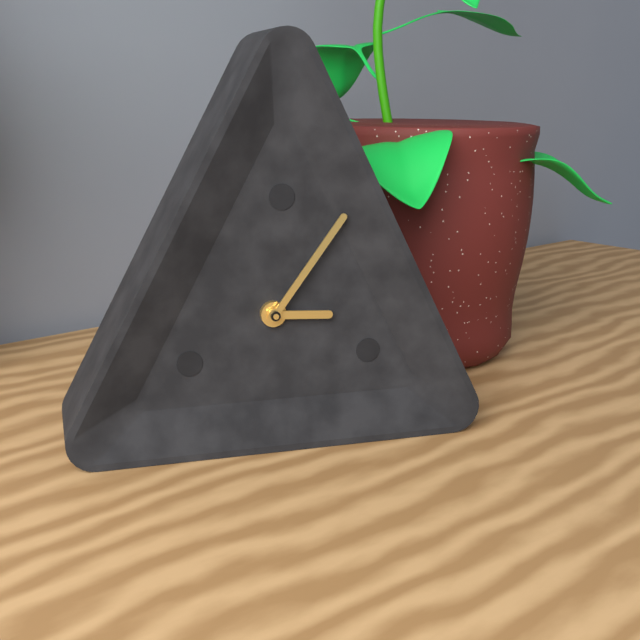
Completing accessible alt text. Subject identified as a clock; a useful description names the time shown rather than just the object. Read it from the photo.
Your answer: 3:06
